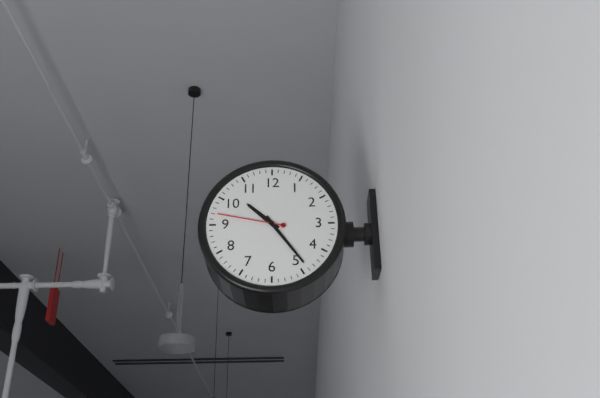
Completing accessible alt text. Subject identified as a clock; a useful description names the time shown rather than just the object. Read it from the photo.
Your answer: 10:24:47
